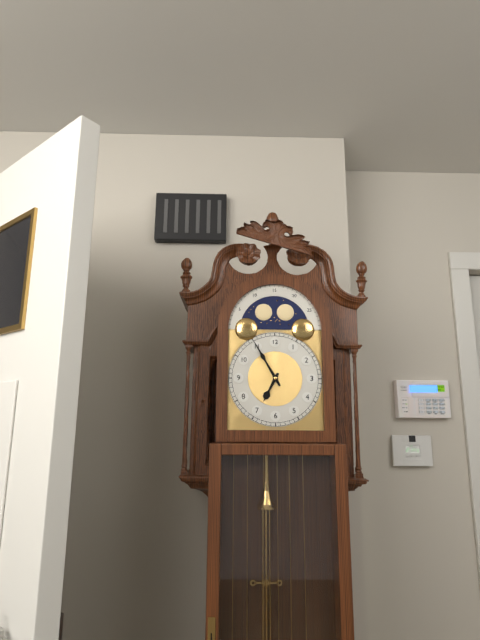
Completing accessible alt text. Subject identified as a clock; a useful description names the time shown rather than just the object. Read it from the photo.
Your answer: 6:55
